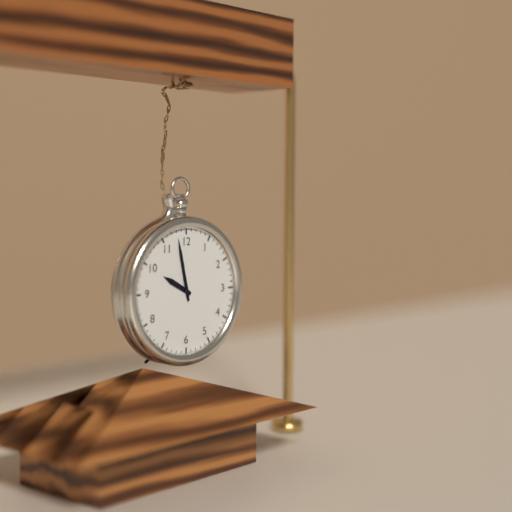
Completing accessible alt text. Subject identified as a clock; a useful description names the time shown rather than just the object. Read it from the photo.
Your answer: 9:58
